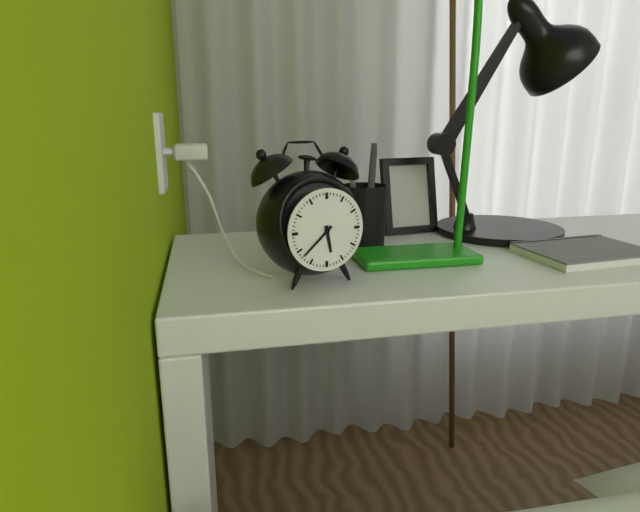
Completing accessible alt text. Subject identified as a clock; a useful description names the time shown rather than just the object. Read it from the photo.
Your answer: 5:38
